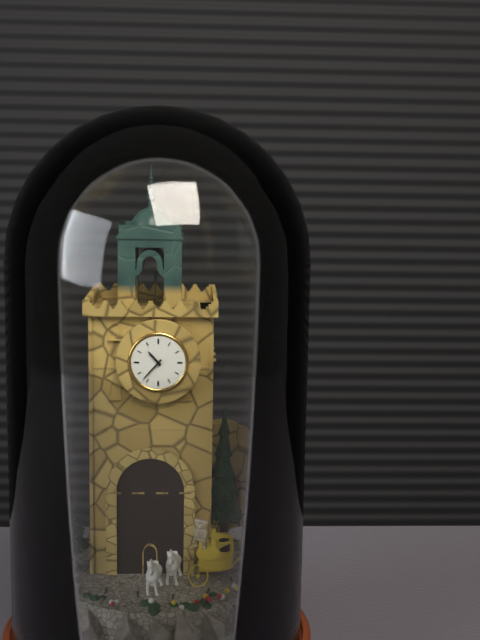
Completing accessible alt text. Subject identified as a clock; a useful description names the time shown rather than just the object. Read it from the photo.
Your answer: 10:37
